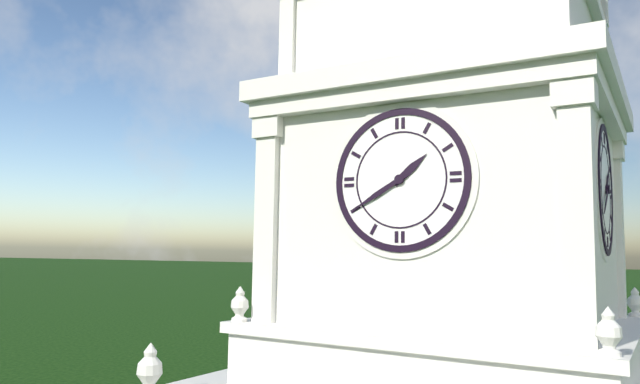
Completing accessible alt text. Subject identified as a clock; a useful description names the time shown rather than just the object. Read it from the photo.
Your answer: 1:40
